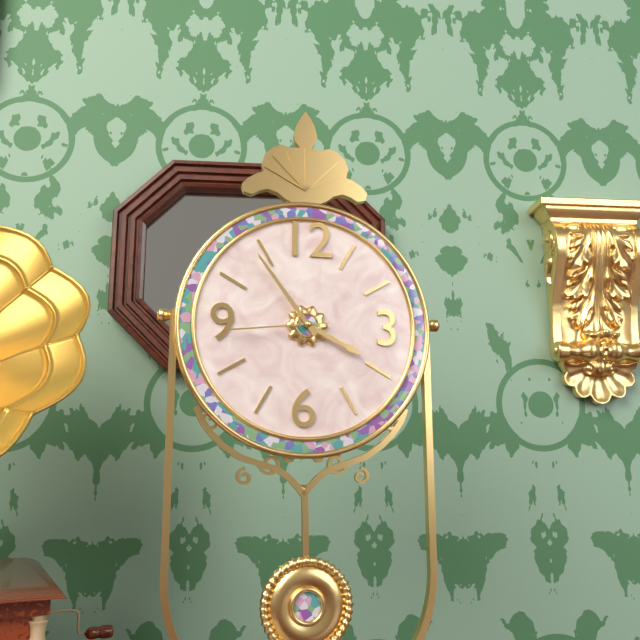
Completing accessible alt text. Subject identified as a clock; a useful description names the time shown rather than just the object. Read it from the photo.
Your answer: 3:54:44
